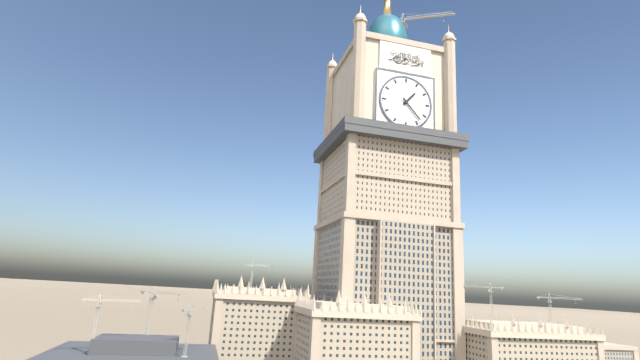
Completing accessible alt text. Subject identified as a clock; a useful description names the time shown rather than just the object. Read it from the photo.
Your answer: 1:23
